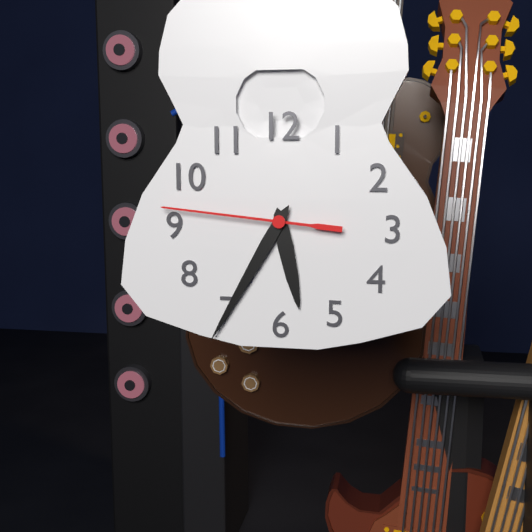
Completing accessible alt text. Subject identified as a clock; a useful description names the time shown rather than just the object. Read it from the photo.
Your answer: 5:35:46
